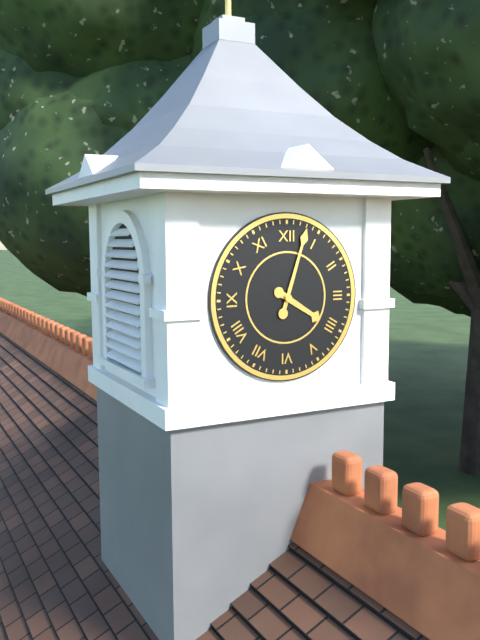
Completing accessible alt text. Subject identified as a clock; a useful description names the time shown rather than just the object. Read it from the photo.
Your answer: 4:03
